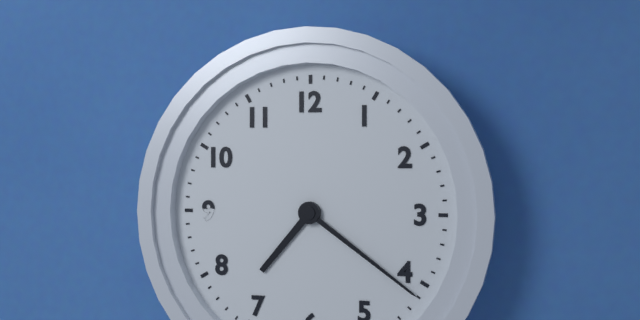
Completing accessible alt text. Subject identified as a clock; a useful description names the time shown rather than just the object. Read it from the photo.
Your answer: 7:21
